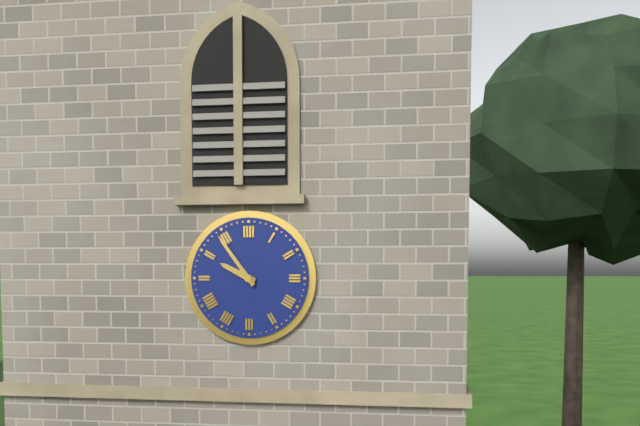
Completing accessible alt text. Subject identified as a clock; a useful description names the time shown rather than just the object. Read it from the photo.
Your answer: 9:54
